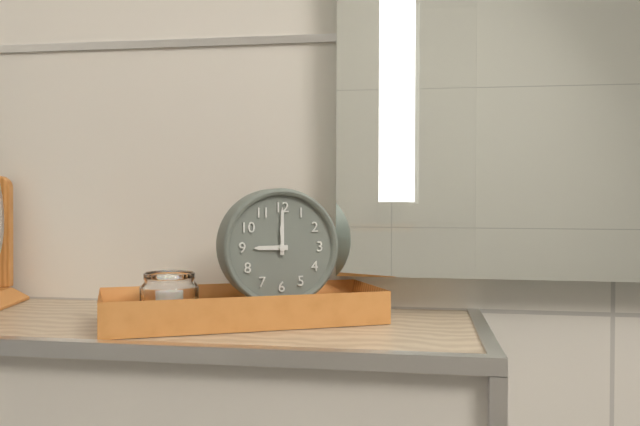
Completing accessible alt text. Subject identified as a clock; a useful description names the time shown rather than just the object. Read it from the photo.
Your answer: 9:00
